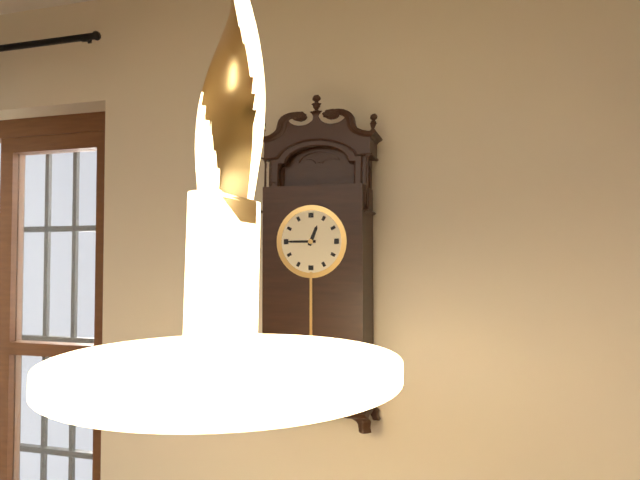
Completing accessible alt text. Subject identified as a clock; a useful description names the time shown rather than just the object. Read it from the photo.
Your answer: 12:45
